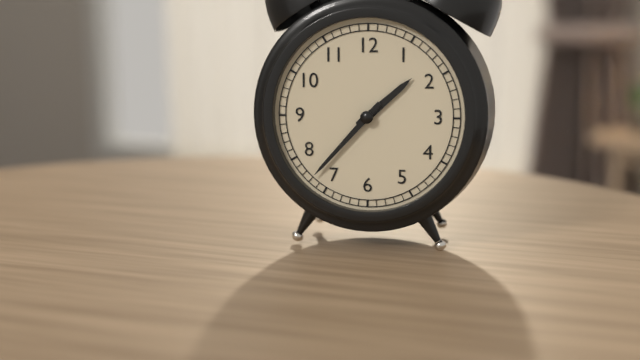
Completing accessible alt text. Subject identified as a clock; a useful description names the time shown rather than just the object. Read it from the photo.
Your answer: 1:37
